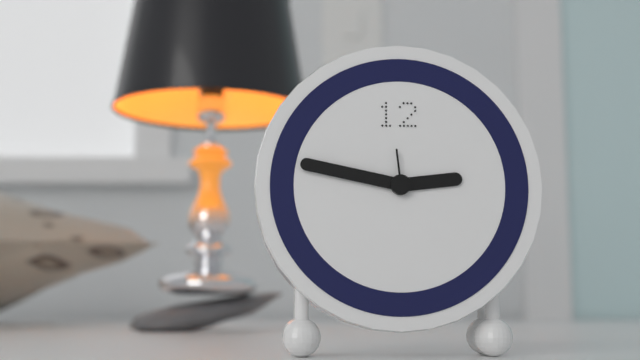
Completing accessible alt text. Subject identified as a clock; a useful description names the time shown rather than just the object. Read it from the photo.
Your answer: 2:47:59
